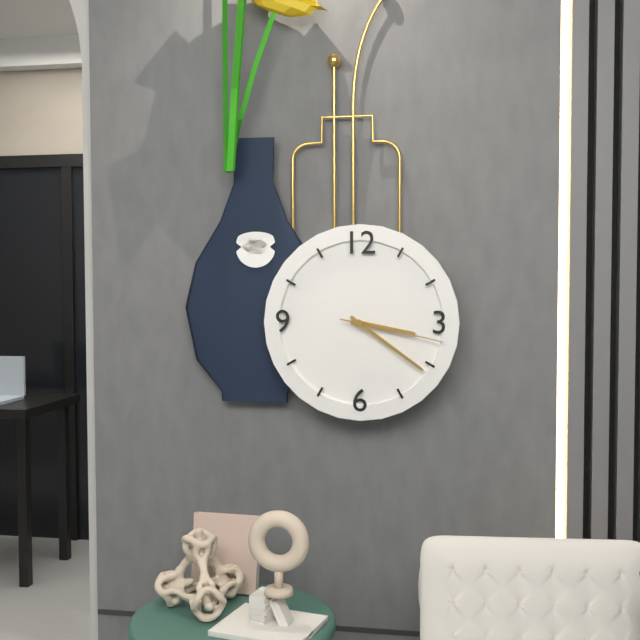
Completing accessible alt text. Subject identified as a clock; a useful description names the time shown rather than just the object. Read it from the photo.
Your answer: 3:21:17
